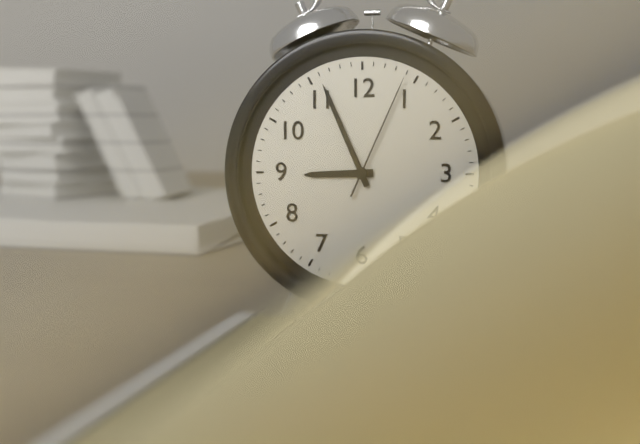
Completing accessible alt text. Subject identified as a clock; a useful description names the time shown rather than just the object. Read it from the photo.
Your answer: 8:56:04
